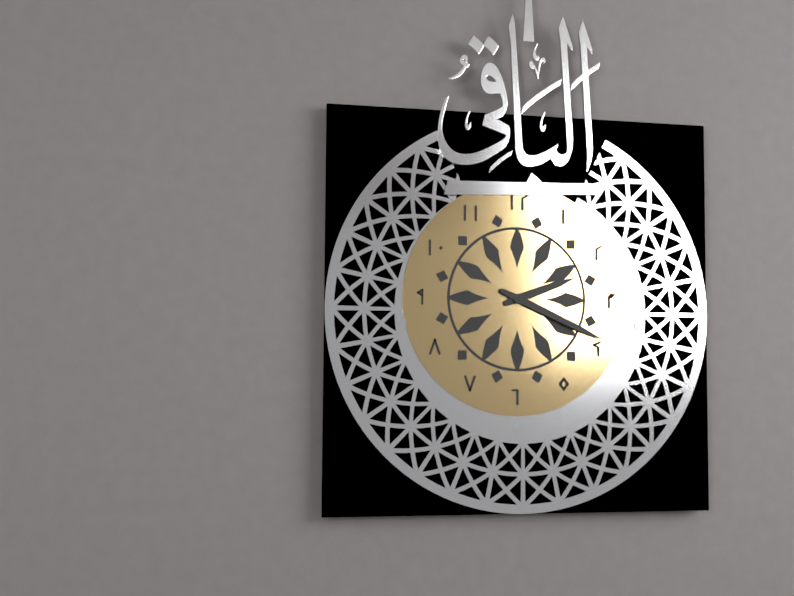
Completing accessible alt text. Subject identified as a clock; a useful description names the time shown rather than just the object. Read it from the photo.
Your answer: 2:19
